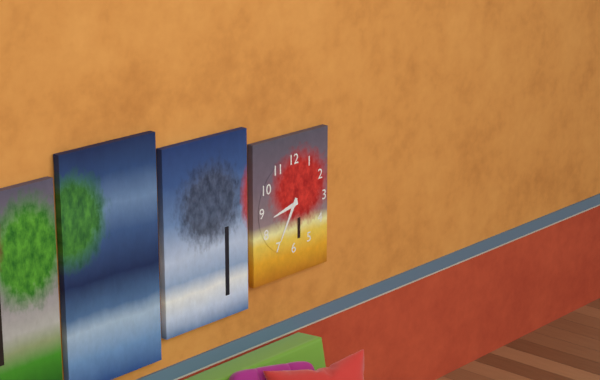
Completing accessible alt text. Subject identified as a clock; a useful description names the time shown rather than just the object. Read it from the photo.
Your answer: 8:35
